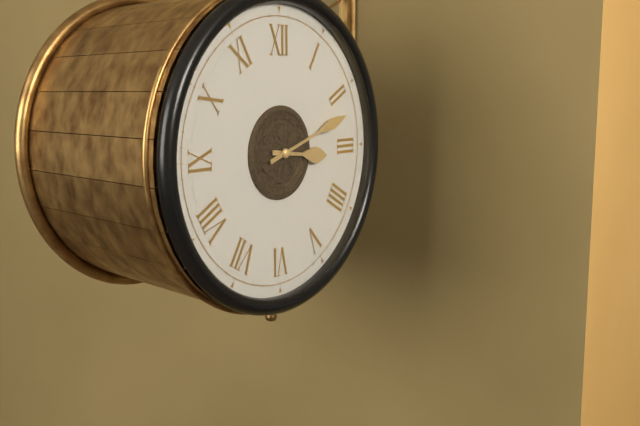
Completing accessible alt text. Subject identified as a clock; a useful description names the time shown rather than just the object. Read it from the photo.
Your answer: 3:12
